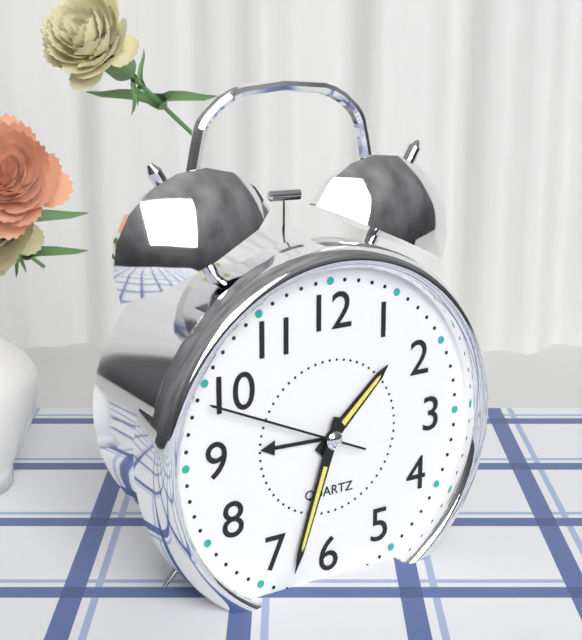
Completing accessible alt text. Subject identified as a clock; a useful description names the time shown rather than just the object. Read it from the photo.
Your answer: 1:33:49
